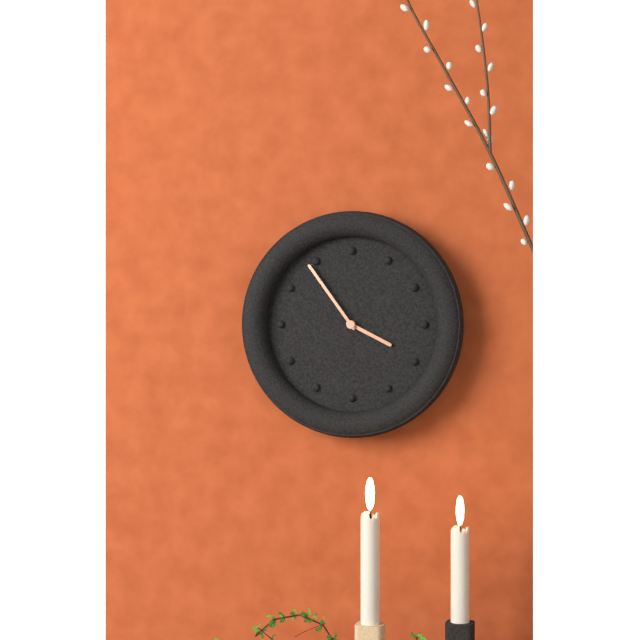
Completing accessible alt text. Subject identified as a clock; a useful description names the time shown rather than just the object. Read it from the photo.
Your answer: 3:54
